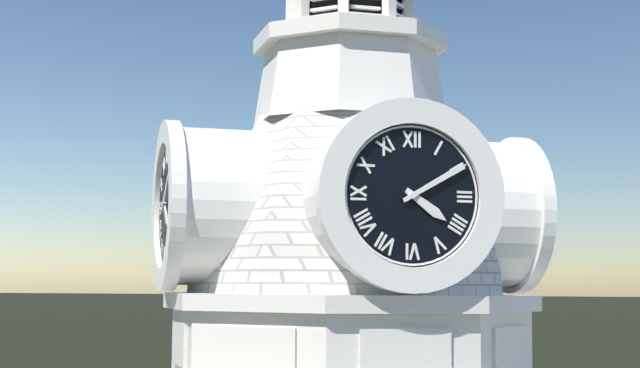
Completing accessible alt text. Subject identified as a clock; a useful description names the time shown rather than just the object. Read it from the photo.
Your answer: 4:10
